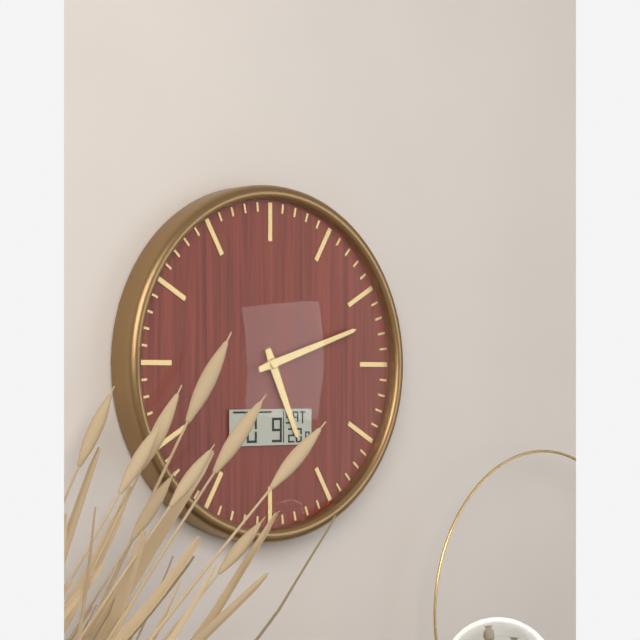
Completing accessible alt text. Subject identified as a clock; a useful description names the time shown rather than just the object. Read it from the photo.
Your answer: 5:12
